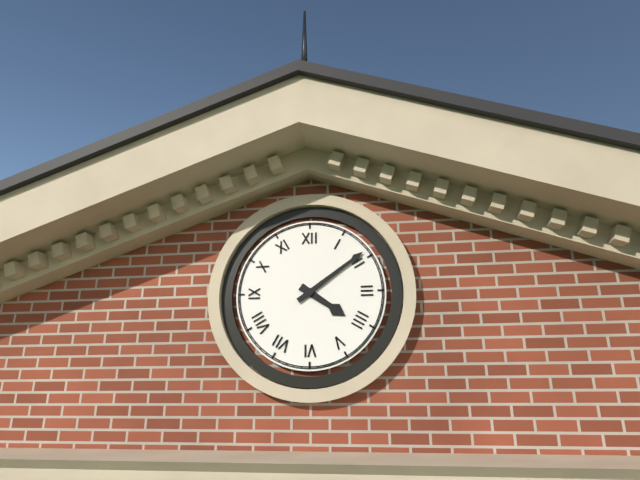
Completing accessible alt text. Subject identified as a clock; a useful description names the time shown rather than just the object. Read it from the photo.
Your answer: 4:09
